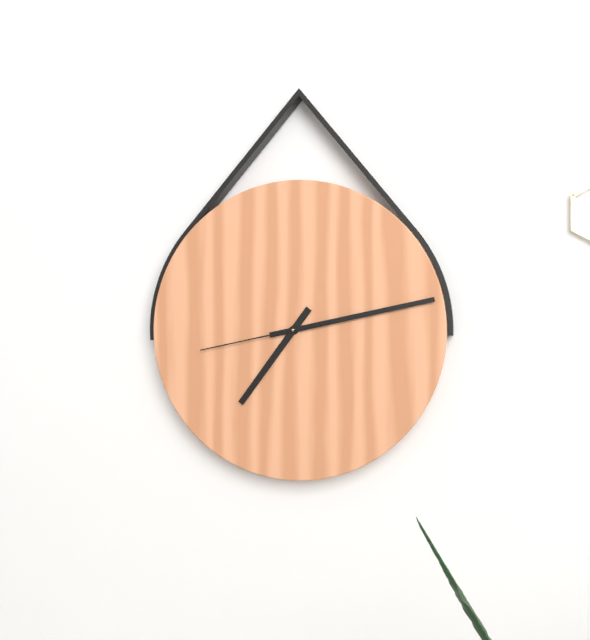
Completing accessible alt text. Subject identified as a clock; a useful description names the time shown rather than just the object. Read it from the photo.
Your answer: 7:13:43
